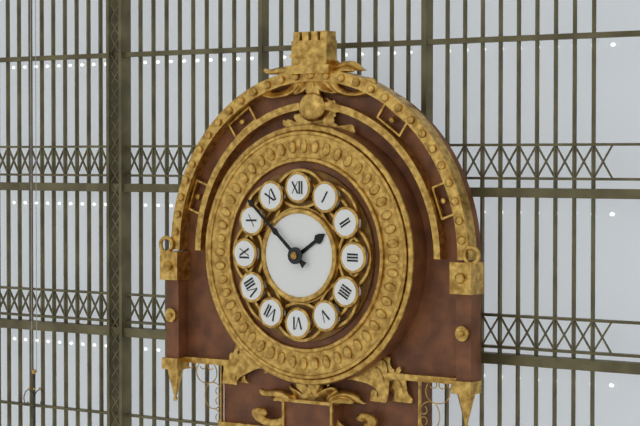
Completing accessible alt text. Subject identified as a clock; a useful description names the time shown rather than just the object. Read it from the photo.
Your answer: 1:52
